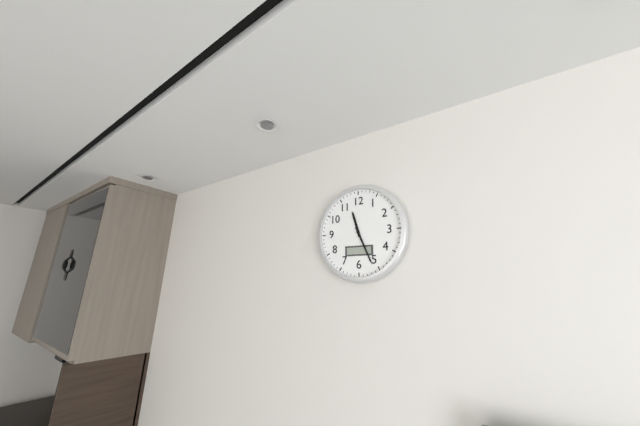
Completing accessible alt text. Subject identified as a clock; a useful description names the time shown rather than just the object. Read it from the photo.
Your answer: 11:26
